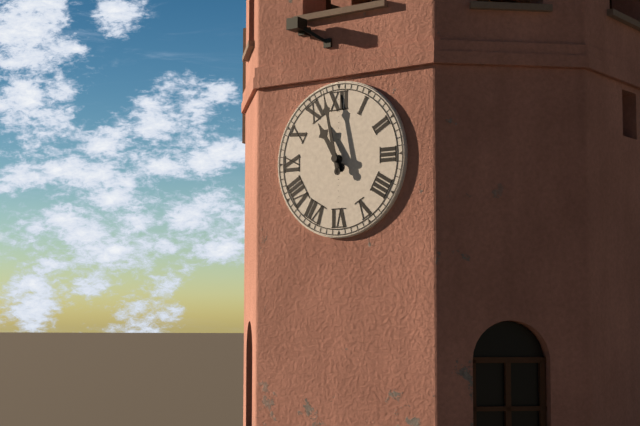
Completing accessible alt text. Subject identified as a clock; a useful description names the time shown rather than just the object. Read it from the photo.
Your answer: 10:58
